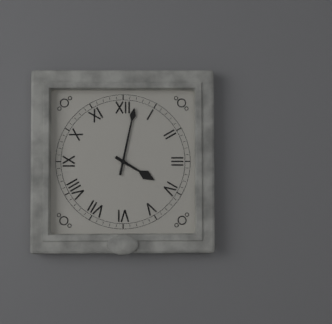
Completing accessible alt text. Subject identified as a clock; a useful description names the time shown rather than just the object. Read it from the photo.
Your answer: 4:02
